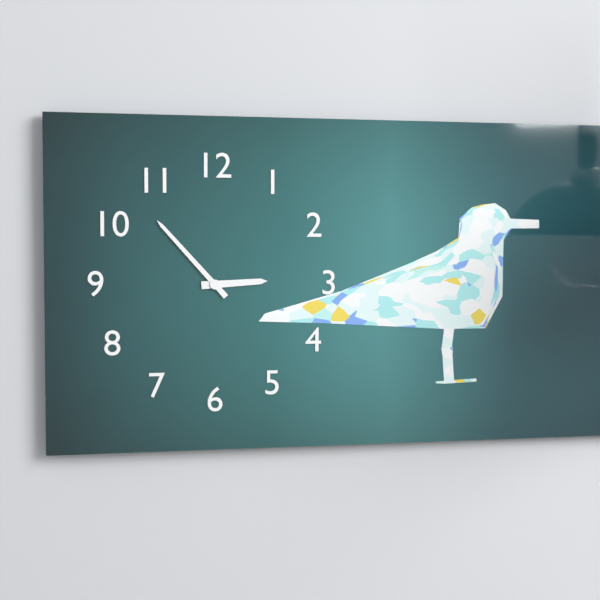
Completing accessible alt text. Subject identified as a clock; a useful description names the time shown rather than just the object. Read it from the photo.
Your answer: 2:53
